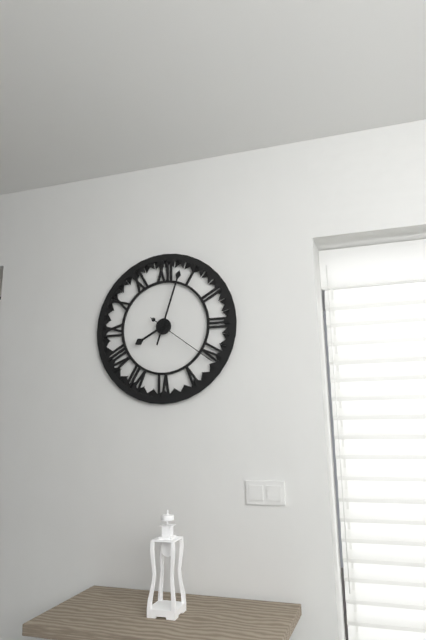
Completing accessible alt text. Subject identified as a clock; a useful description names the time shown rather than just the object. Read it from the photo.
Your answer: 8:03:21
